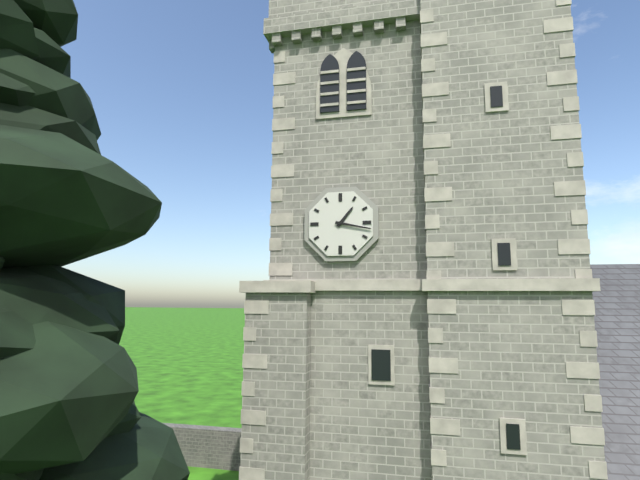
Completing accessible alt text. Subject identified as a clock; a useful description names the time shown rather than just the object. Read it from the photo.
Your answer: 1:17
